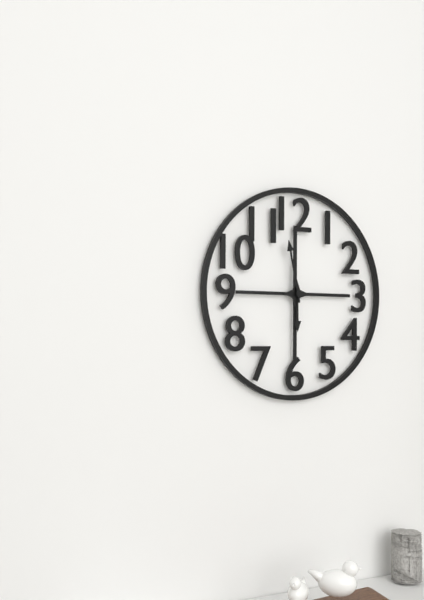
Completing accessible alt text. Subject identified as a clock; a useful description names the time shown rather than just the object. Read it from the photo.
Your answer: 5:58
